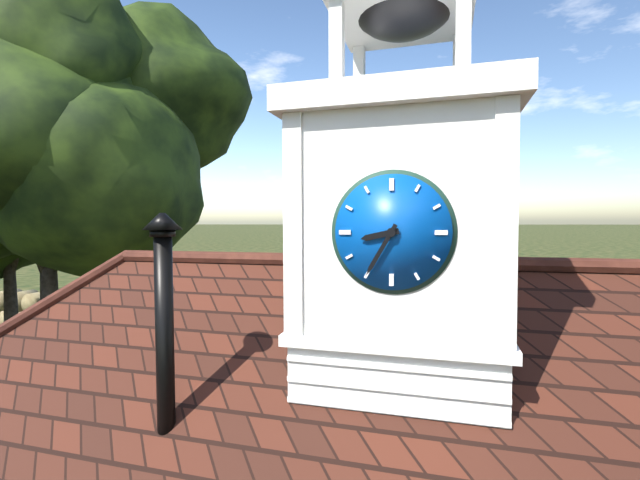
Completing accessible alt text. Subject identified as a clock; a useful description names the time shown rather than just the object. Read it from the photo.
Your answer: 8:35
